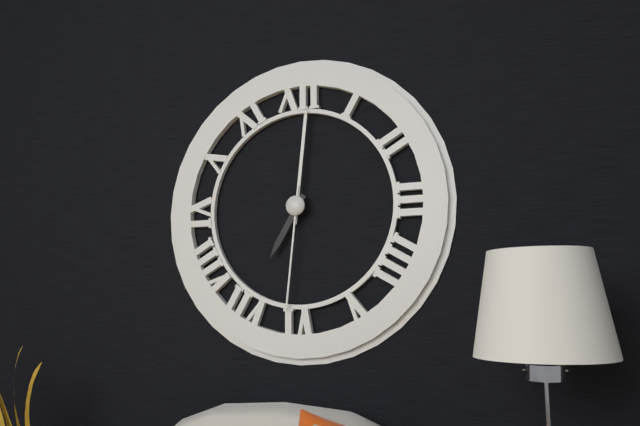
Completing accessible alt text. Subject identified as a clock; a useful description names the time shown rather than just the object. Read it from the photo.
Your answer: 7:01:31
